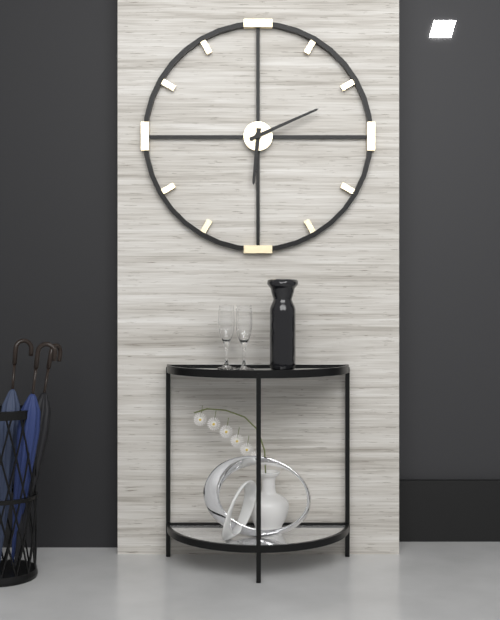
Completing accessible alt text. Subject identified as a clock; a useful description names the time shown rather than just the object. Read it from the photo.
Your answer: 6:11
